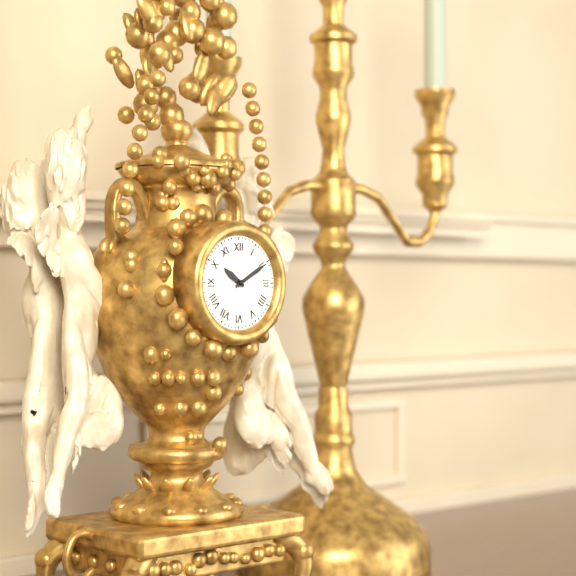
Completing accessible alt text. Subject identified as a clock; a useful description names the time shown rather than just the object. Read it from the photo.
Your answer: 10:10
